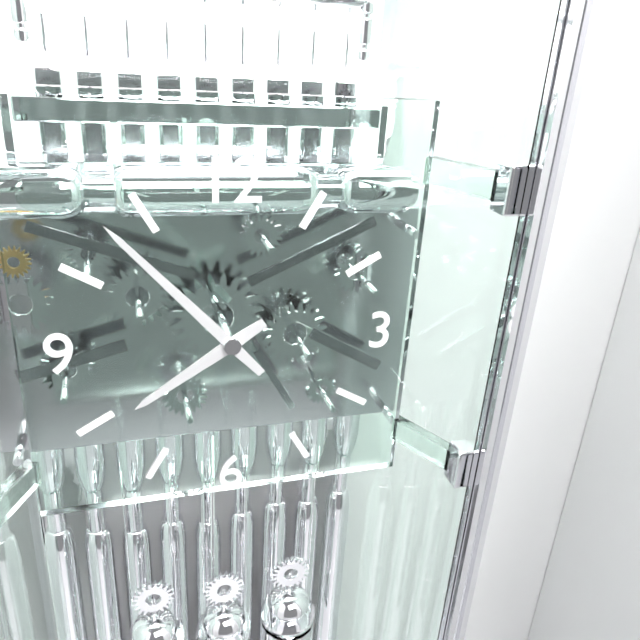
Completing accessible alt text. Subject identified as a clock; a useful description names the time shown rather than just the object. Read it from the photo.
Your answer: 7:53
